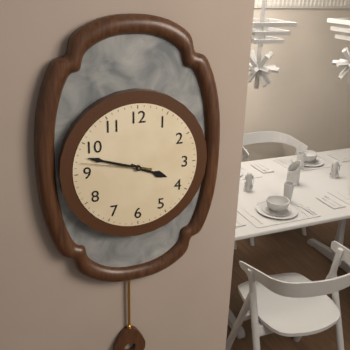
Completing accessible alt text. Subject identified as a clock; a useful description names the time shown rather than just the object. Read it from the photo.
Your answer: 3:48:47
